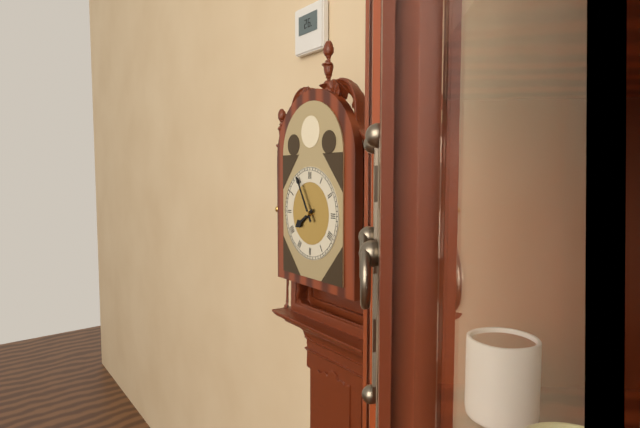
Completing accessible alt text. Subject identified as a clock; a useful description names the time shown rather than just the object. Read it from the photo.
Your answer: 7:55
